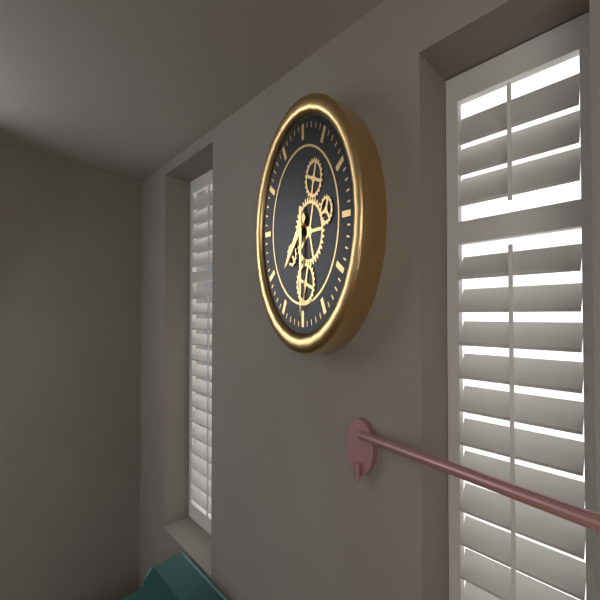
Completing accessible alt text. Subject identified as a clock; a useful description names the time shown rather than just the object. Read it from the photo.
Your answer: 7:30
